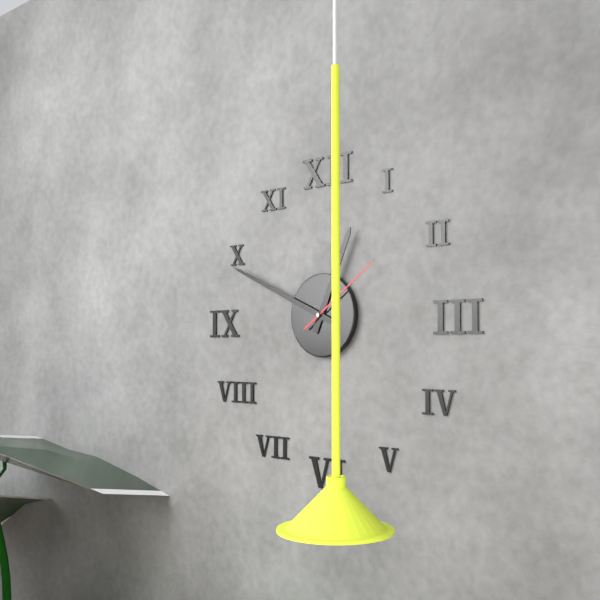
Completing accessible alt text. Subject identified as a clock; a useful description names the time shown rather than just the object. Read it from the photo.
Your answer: 12:49:09
